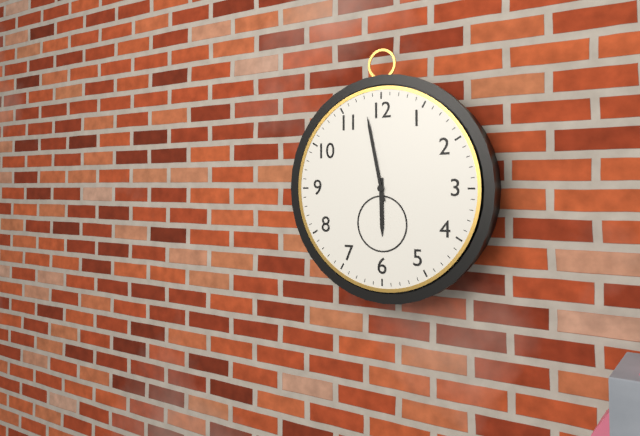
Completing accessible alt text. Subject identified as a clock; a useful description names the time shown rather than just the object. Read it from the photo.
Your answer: 5:58
